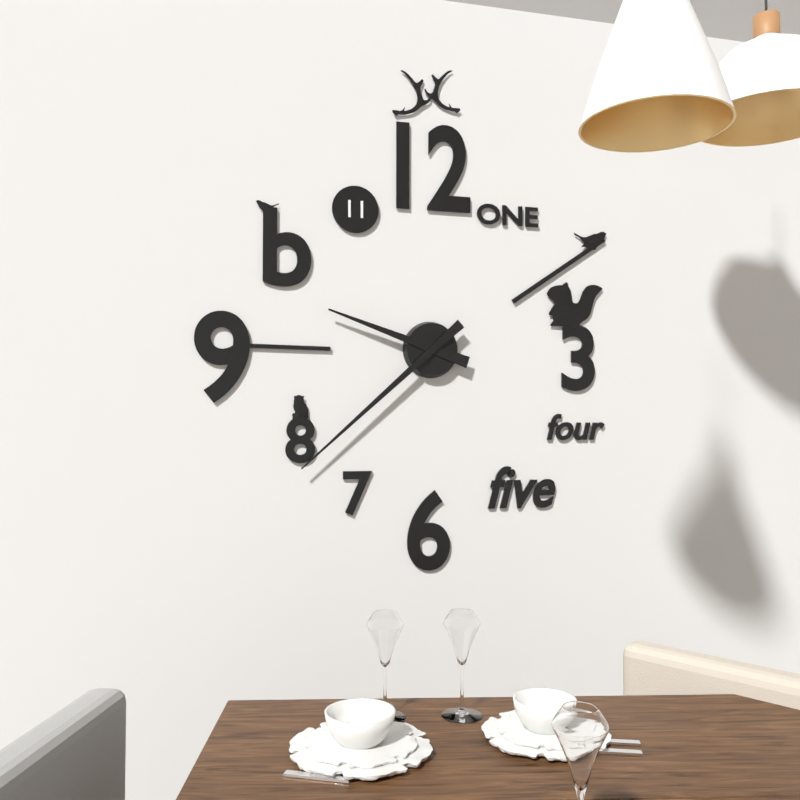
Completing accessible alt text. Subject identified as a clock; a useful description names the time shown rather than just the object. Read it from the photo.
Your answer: 9:38
